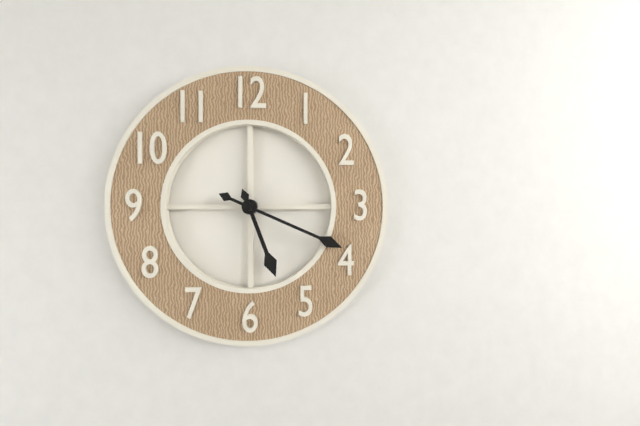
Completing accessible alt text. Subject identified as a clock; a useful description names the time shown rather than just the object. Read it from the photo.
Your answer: 5:19
